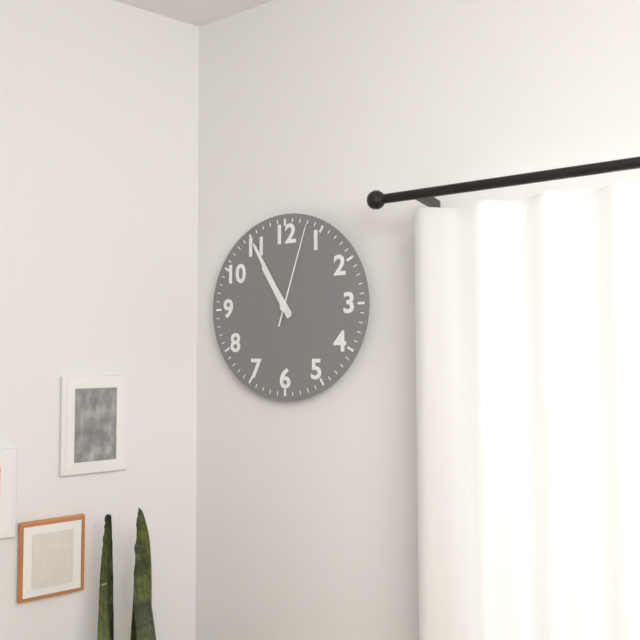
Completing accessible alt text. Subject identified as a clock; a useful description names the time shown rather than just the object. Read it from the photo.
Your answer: 10:55:03
